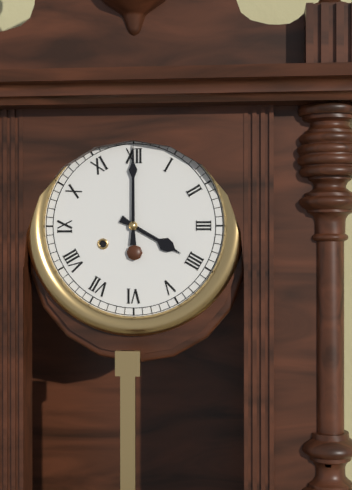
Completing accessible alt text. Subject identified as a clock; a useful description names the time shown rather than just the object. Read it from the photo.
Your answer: 4:00
